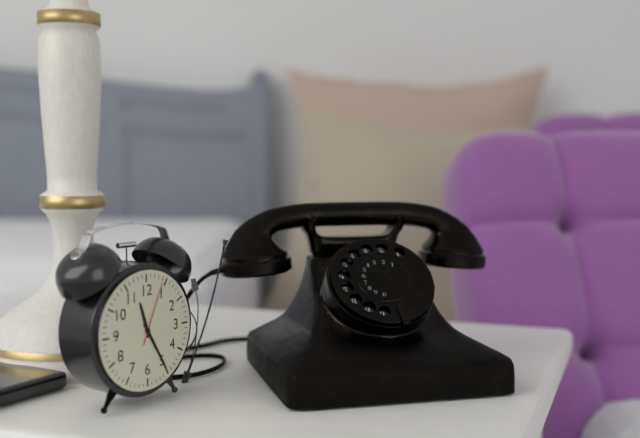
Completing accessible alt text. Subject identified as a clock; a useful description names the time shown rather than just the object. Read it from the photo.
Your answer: 11:25:04
